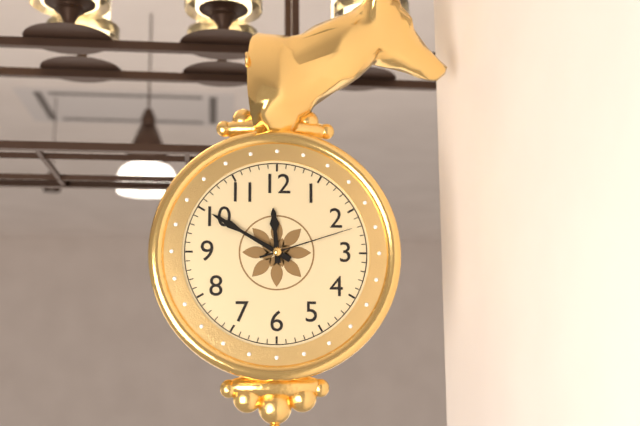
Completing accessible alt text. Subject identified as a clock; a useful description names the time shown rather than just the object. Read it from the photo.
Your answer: 11:50:12
